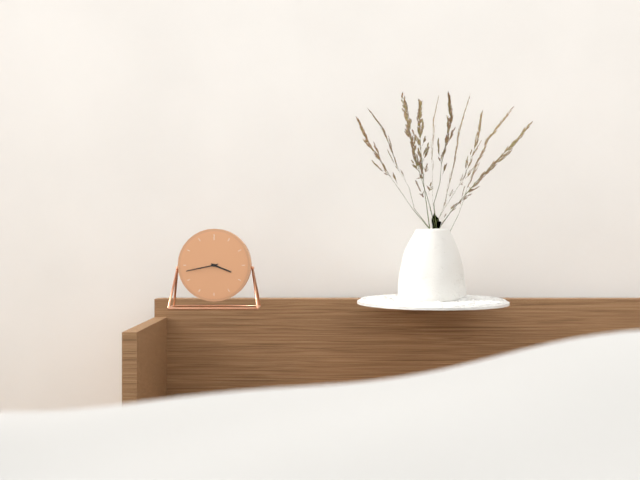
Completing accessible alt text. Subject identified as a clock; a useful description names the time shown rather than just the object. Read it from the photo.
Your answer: 3:43
